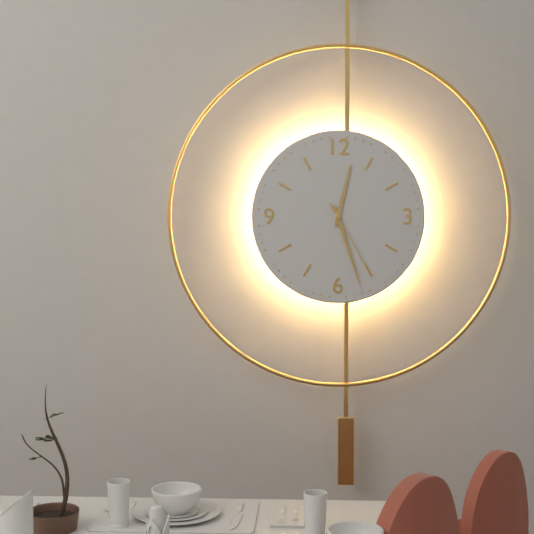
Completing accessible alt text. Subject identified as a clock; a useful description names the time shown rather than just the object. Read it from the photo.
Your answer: 12:27:25
